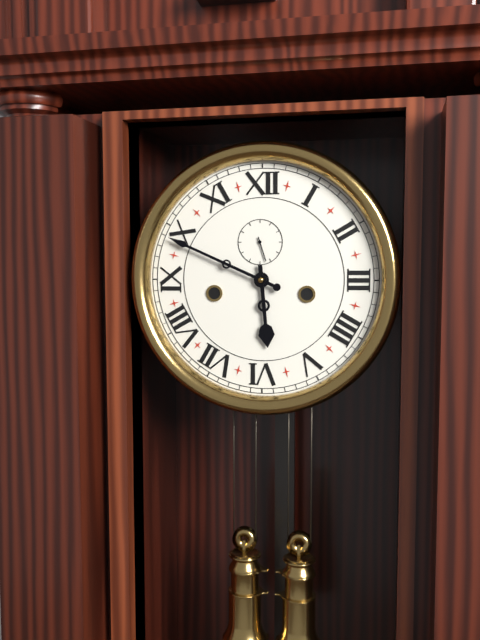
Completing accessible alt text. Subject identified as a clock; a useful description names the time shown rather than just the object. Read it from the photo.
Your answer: 5:49
